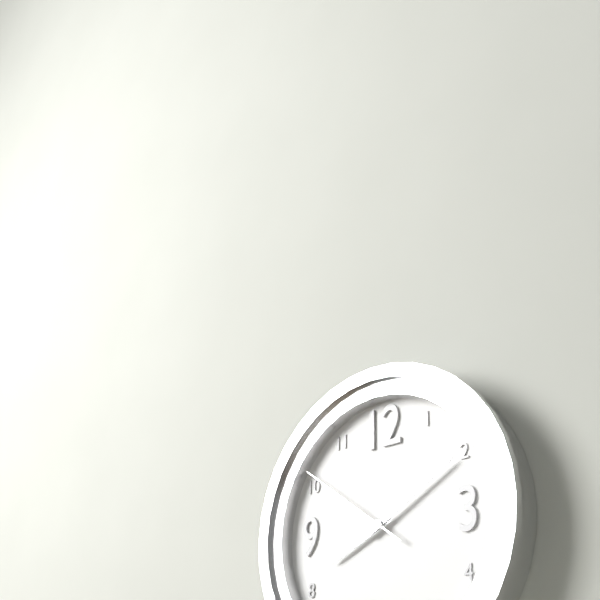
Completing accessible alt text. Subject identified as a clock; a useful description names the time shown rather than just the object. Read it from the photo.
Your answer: 8:10:51
